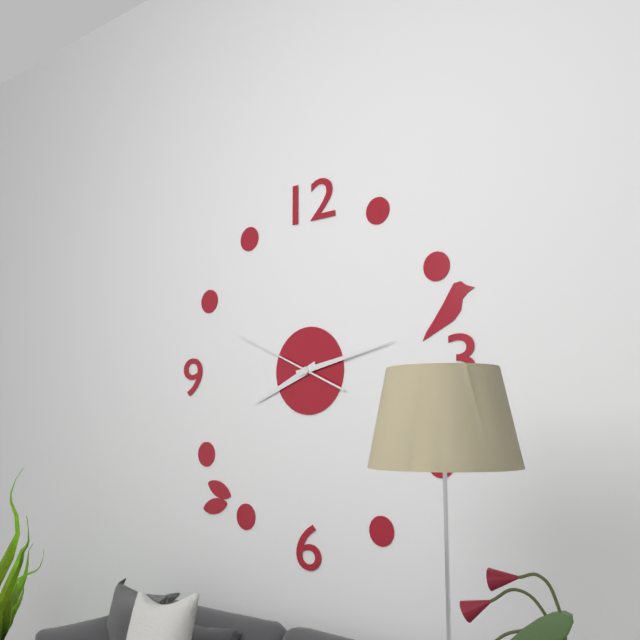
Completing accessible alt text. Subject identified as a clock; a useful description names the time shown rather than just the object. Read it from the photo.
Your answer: 8:13:49
